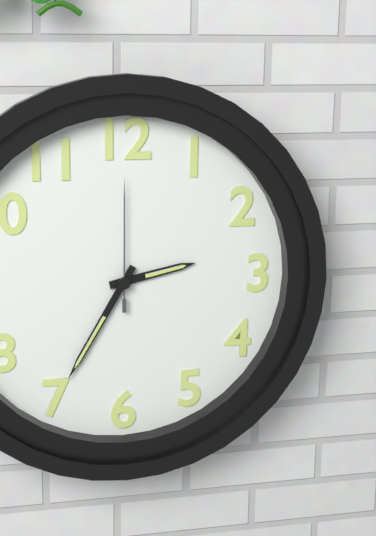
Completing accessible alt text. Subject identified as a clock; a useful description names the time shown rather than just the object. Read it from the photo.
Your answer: 2:35:00
